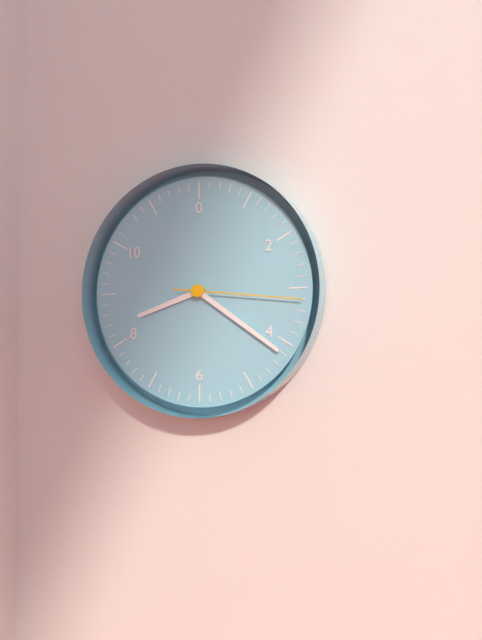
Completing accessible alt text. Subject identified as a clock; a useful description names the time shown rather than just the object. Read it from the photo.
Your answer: 8:21:16
